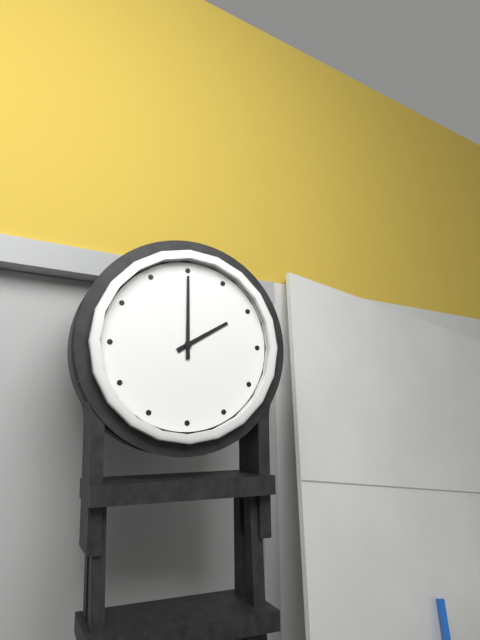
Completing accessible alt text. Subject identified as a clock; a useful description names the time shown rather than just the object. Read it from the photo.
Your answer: 2:00
